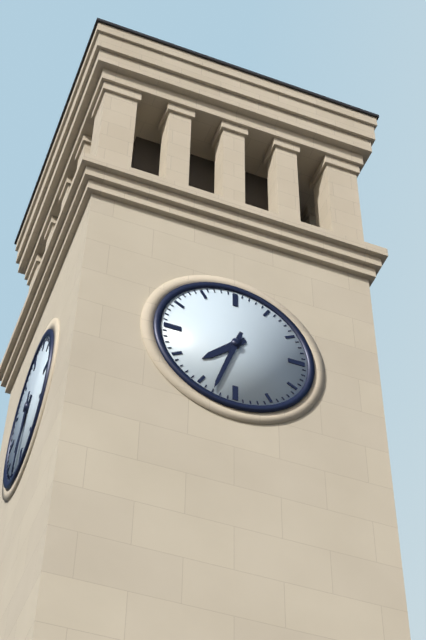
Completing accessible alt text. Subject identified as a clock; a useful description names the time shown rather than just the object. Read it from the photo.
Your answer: 7:33
